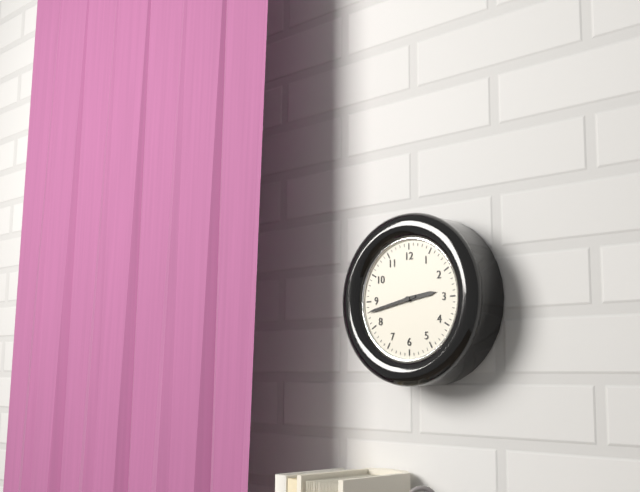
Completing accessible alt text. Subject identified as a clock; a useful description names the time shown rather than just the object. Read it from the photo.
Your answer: 2:43
